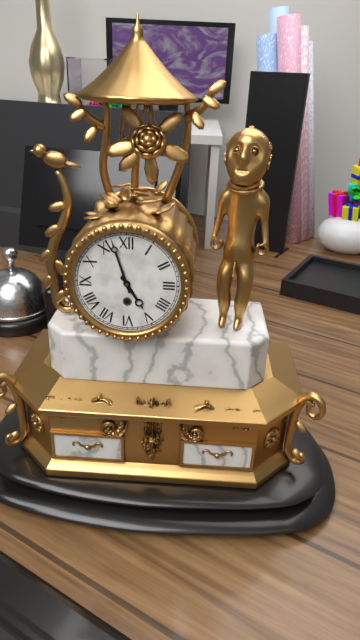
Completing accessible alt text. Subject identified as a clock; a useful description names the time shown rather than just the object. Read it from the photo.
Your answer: 4:57
